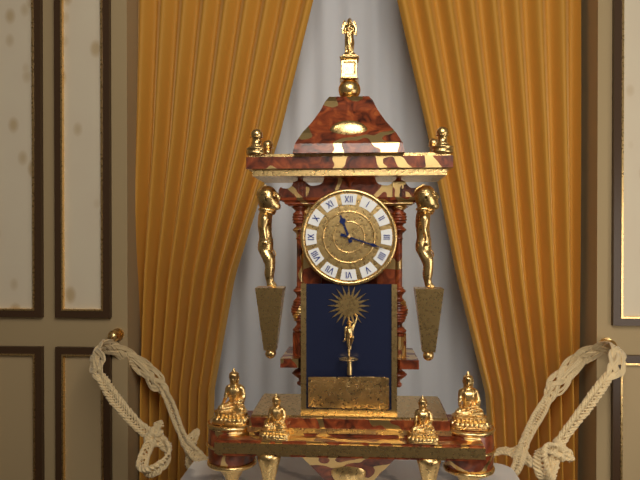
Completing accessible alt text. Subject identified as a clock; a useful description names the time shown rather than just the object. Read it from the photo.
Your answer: 11:18
